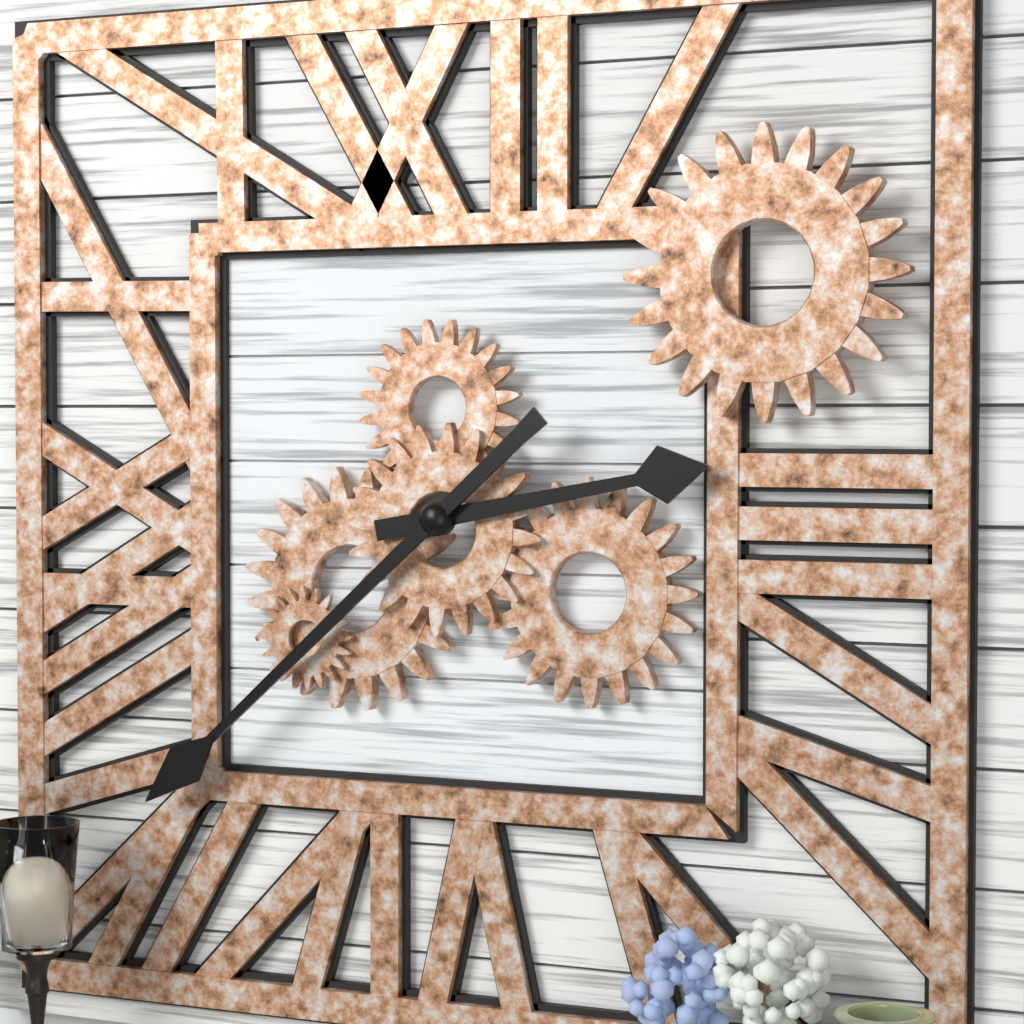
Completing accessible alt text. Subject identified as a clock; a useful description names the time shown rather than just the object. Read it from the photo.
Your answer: 2:38
